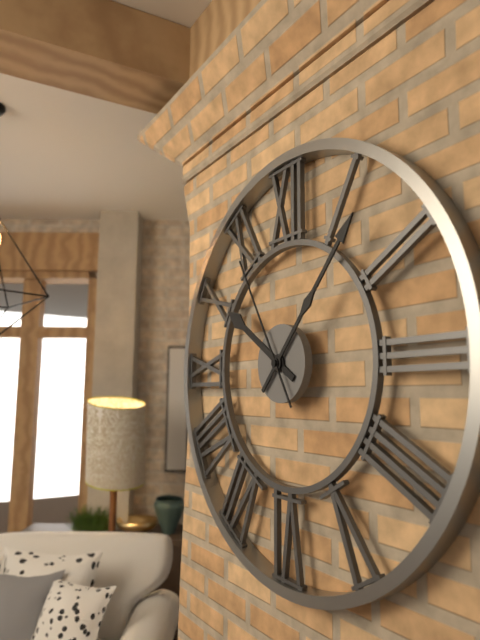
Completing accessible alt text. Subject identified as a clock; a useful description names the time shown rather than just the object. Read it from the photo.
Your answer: 10:07:55
